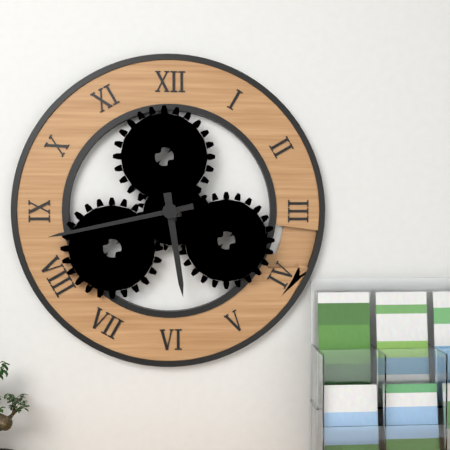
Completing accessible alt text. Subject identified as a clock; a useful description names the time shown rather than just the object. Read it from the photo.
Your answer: 5:43
